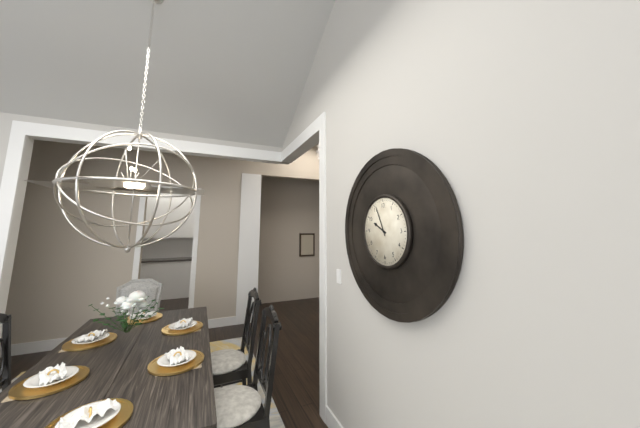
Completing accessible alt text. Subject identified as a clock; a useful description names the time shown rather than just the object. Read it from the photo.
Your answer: 9:56
